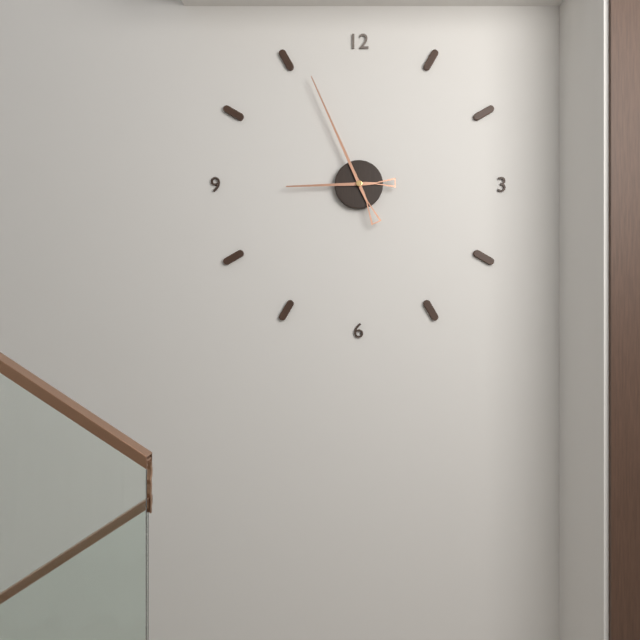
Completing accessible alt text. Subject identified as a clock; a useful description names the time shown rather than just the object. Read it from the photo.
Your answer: 8:56
